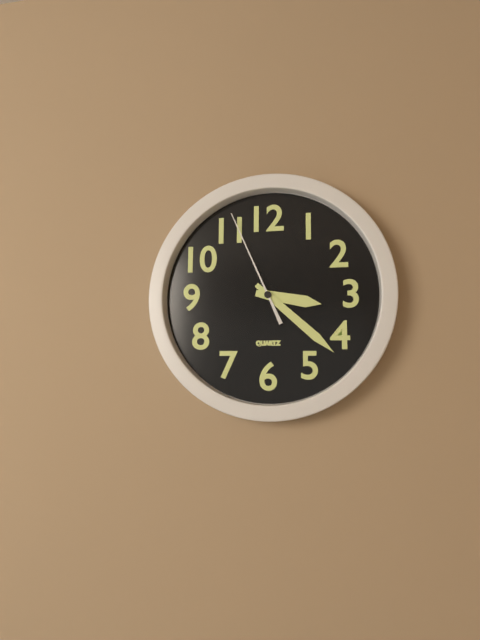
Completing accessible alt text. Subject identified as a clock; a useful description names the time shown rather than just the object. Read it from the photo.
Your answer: 3:22:56
